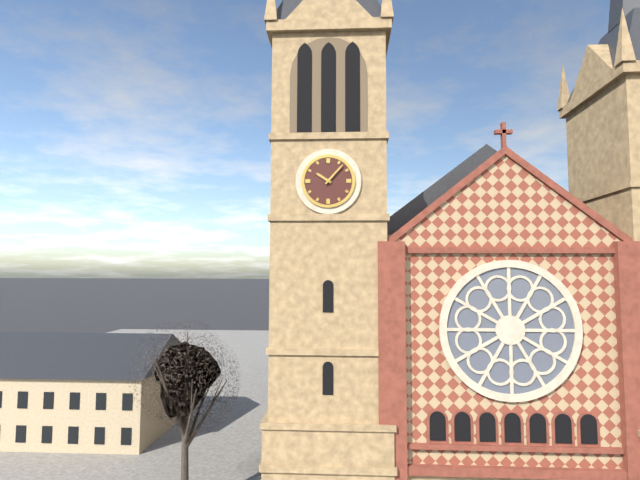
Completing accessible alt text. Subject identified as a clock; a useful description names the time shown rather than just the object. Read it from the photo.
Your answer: 10:07
